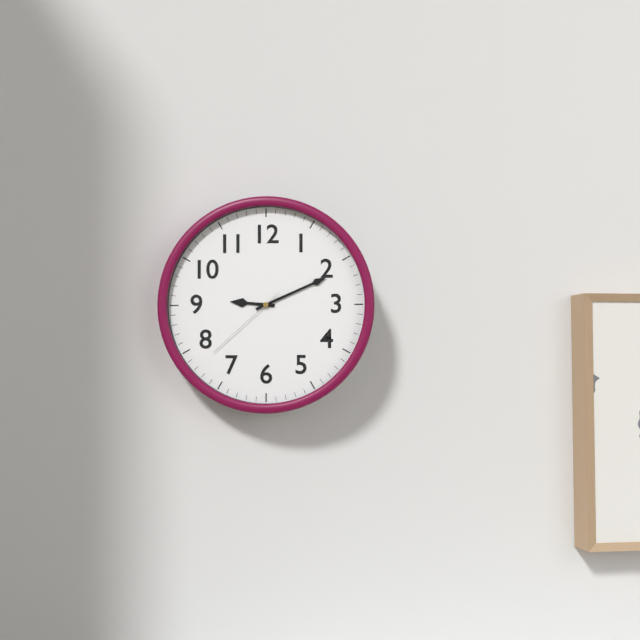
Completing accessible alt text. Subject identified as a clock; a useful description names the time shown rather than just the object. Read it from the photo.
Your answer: 9:11:38
